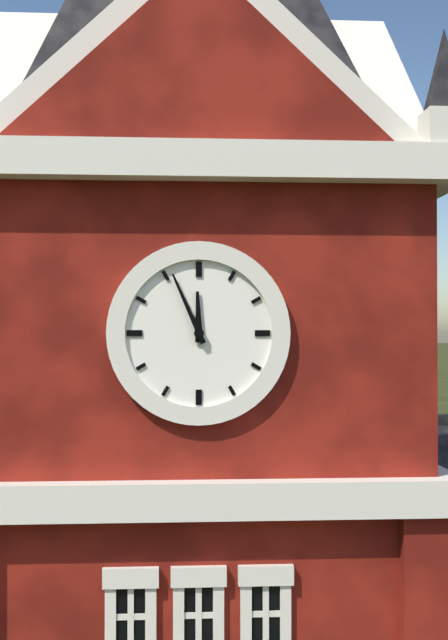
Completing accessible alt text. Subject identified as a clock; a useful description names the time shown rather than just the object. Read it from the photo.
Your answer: 11:56
